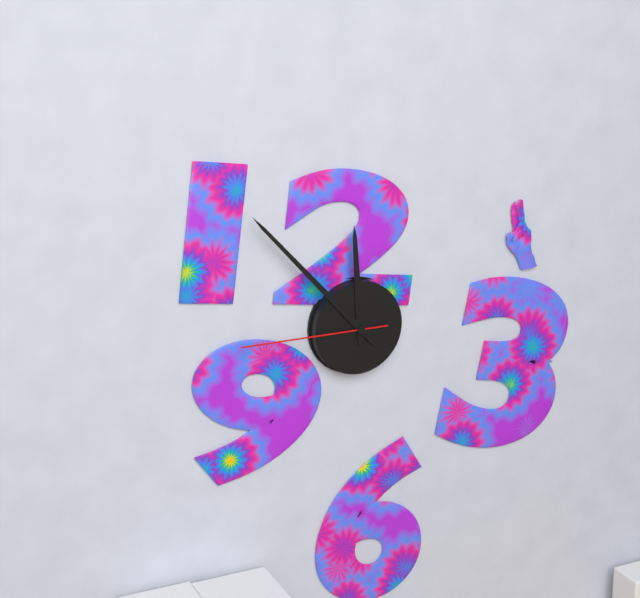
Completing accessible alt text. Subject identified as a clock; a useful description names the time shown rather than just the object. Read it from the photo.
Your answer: 11:53:45
